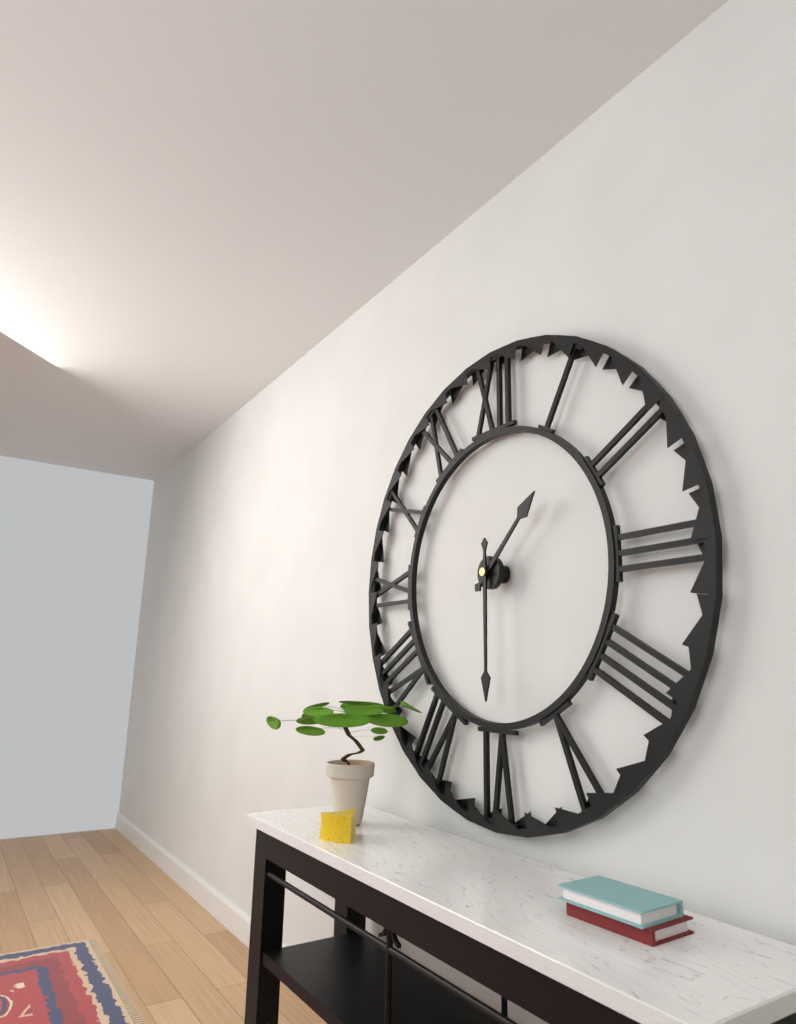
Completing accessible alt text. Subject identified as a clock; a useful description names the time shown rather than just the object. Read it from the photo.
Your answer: 1:30
